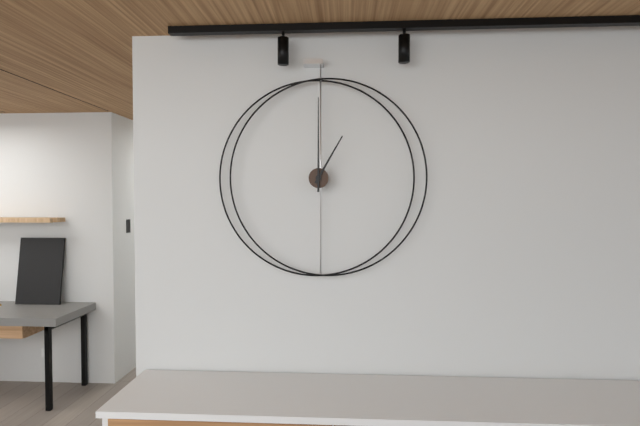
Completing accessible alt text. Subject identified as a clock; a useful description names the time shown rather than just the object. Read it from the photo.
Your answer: 1:00
